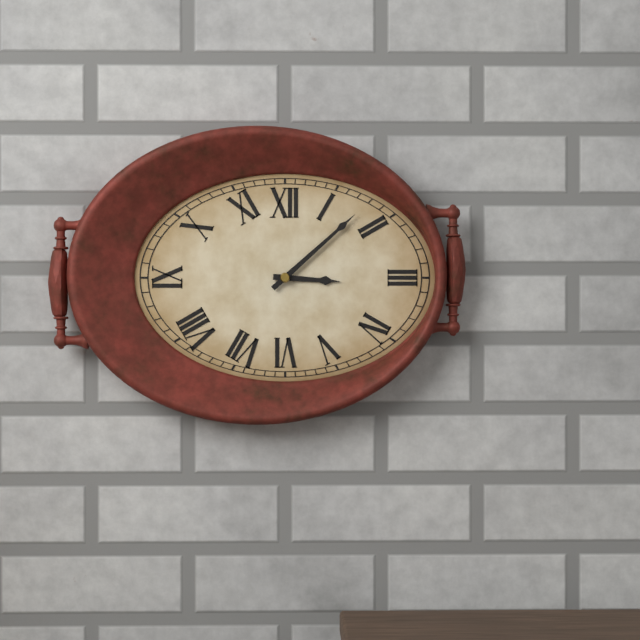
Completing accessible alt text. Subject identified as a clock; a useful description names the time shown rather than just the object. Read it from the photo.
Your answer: 3:08
